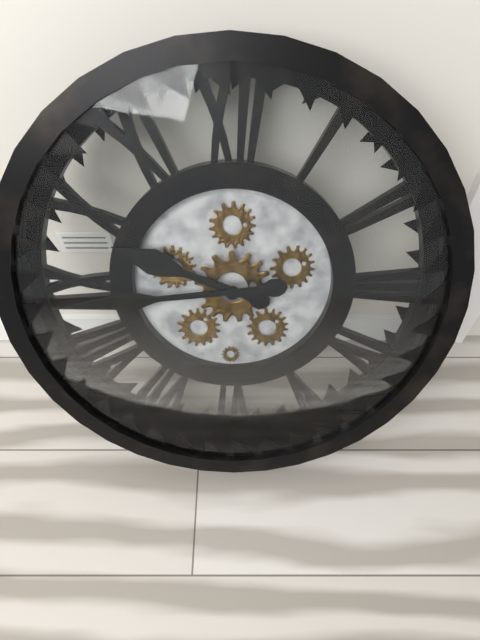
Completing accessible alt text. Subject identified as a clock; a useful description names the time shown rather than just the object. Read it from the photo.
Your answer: 9:44
